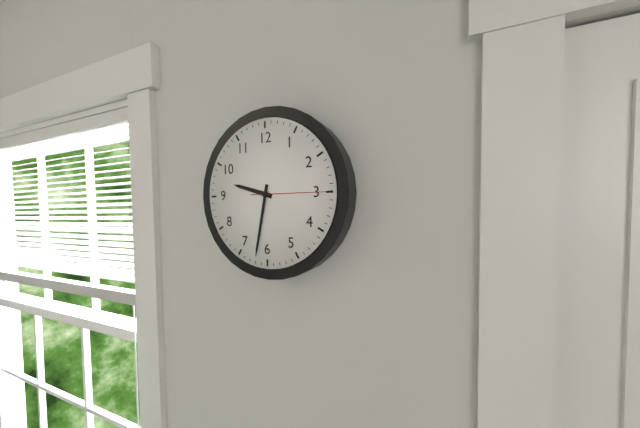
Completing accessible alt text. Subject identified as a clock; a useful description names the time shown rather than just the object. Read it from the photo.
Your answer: 9:32:15
